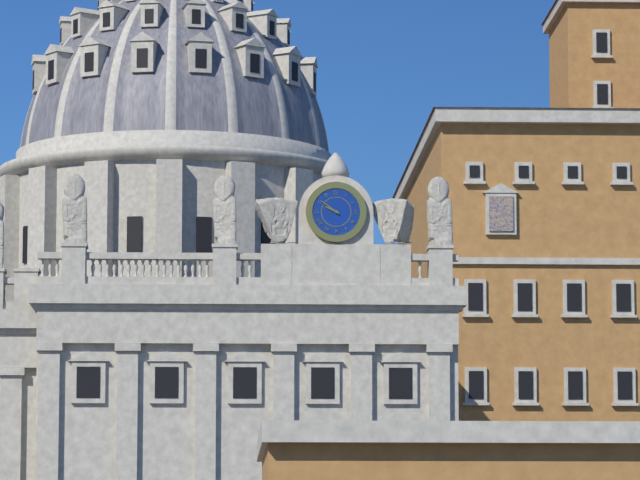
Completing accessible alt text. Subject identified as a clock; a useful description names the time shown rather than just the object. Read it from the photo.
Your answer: 9:51
